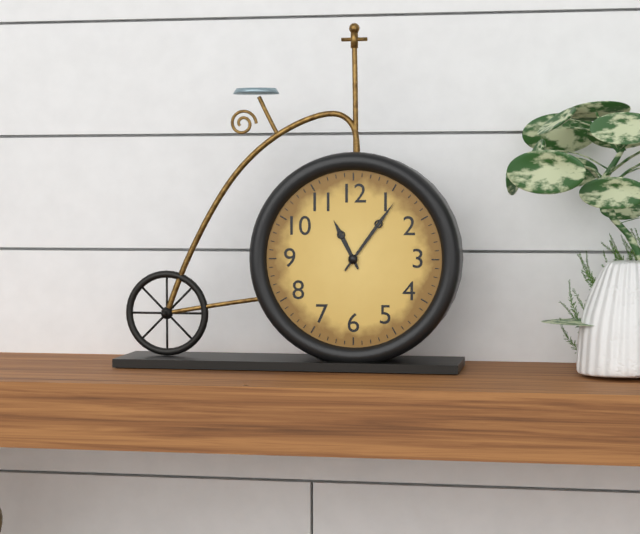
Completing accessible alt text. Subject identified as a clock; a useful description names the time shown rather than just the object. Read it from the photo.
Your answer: 11:06
